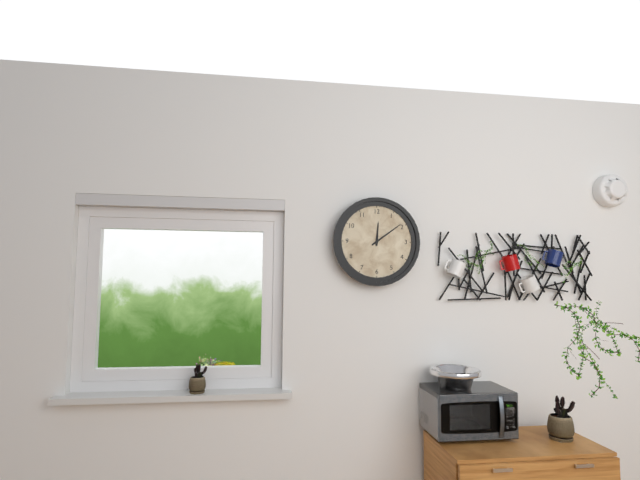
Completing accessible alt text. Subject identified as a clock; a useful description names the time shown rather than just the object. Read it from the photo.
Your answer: 12:09
